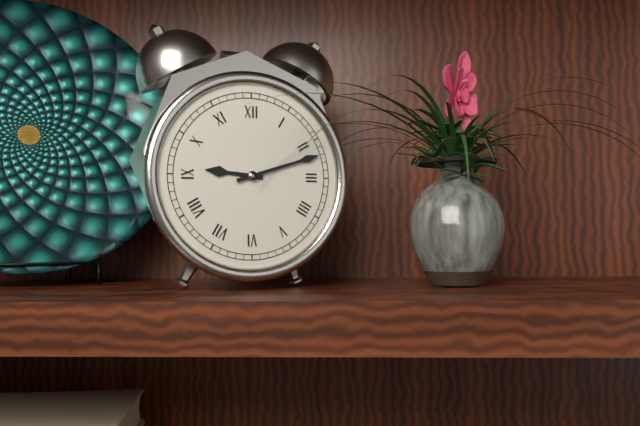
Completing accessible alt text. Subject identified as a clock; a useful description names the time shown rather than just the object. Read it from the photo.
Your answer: 9:12
